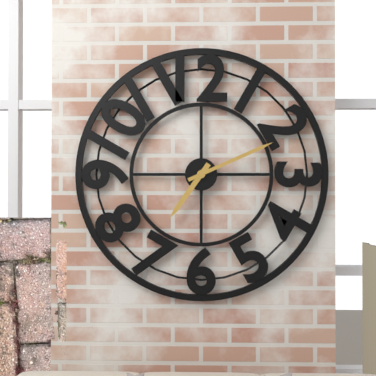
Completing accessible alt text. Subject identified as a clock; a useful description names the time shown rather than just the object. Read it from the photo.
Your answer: 7:11
